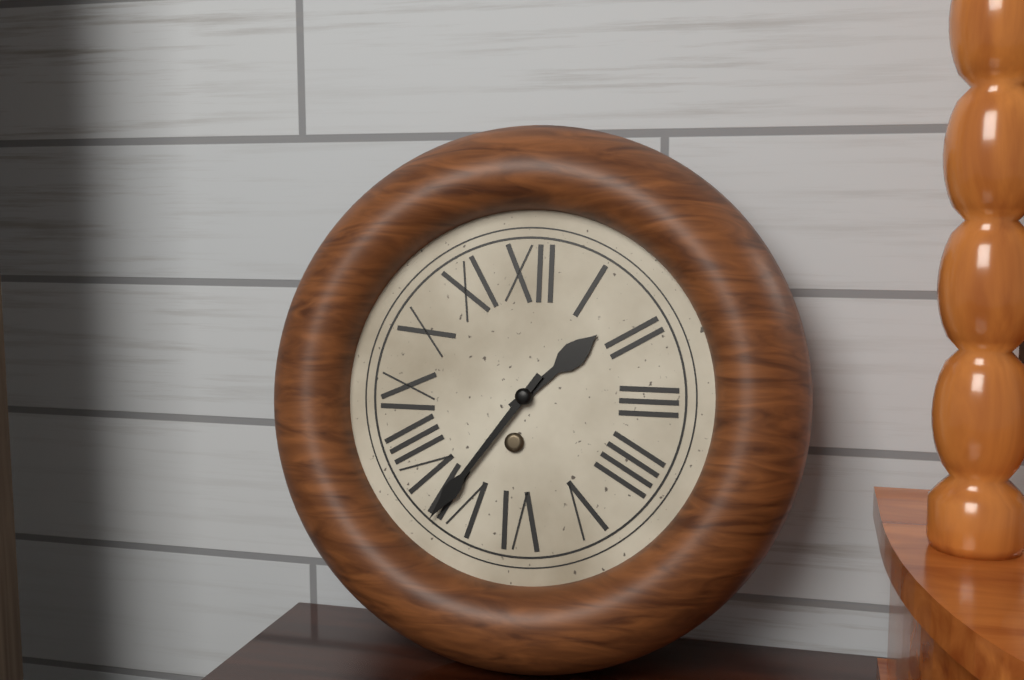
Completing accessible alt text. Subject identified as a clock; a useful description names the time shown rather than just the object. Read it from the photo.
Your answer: 1:36
